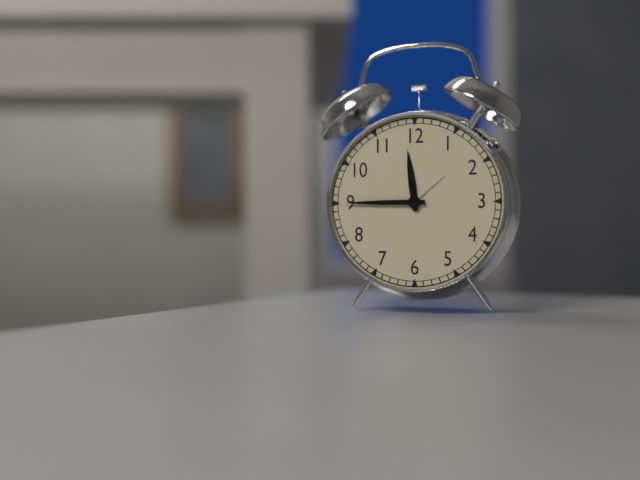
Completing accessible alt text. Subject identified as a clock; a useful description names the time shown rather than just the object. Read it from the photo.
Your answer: 11:45
